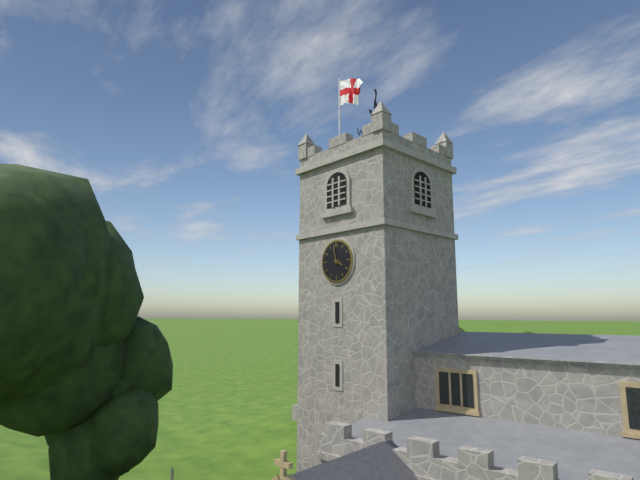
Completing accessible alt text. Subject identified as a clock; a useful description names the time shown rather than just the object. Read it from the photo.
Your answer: 3:58
